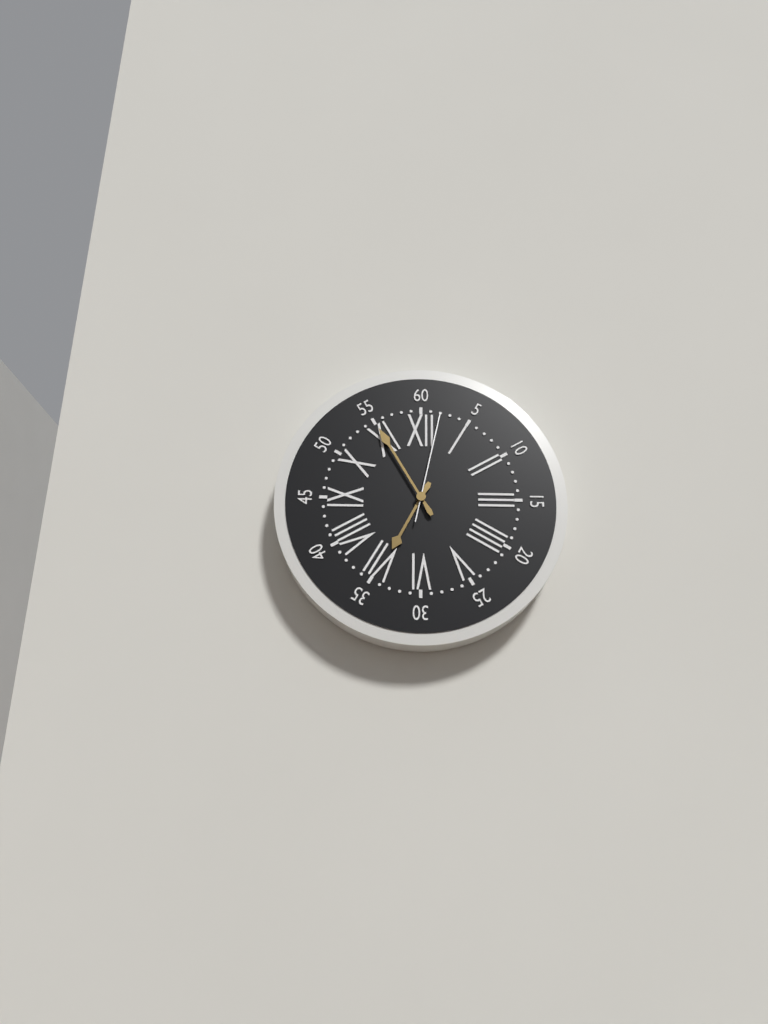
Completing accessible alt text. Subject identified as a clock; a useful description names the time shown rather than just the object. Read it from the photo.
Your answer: 6:55:02
